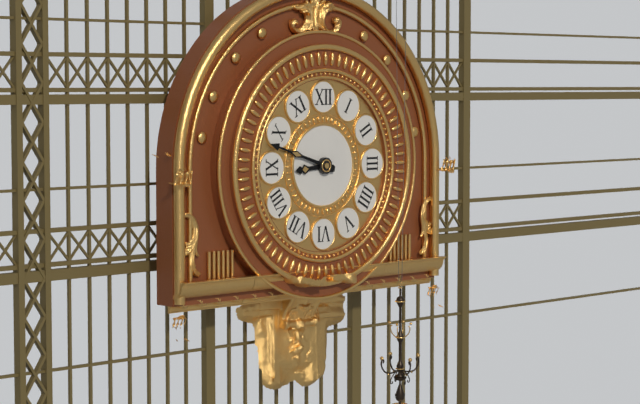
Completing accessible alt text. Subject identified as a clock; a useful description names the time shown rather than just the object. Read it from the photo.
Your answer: 8:48
